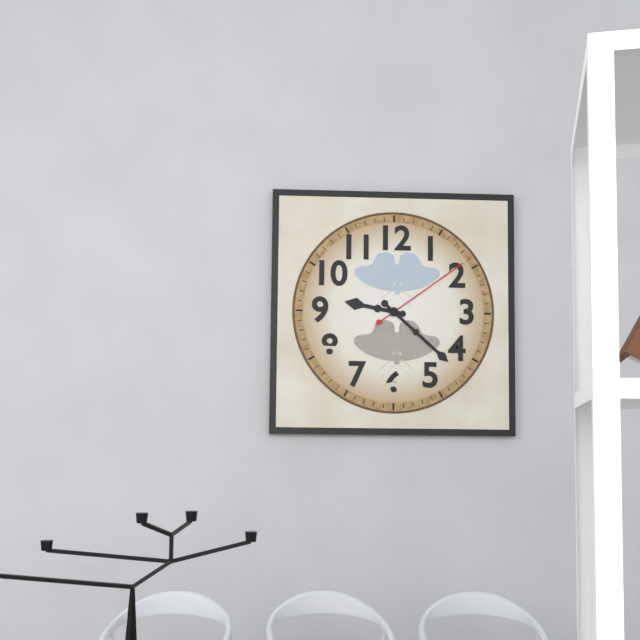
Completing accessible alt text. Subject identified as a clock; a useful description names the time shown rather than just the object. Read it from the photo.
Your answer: 9:22:09
